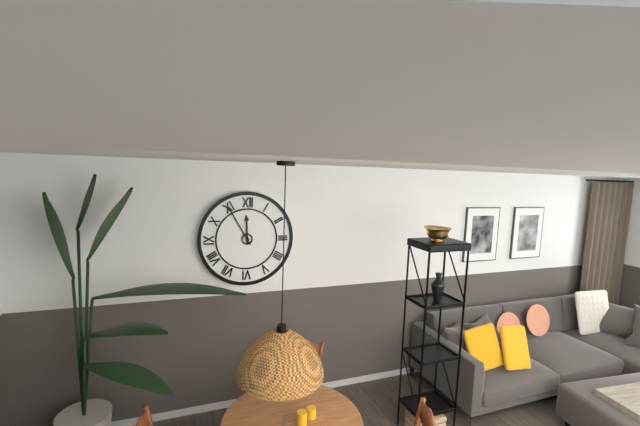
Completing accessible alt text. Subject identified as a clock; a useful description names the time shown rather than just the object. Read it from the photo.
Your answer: 11:55
